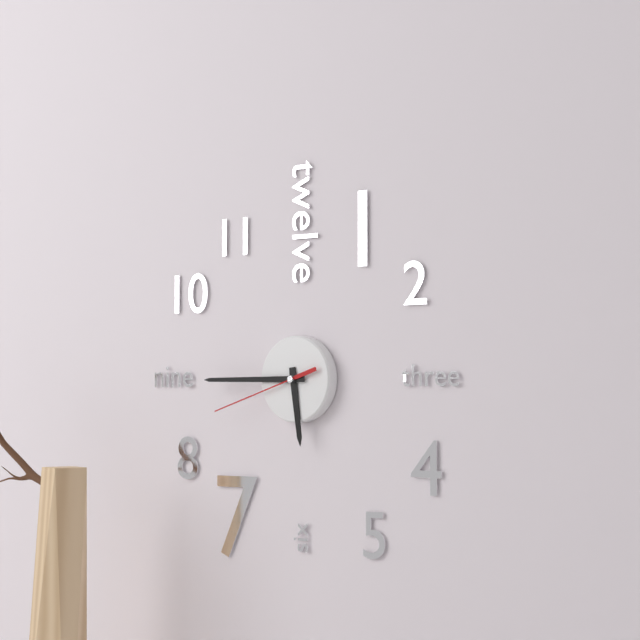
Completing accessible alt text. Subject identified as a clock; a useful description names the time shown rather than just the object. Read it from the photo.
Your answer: 5:45:42
